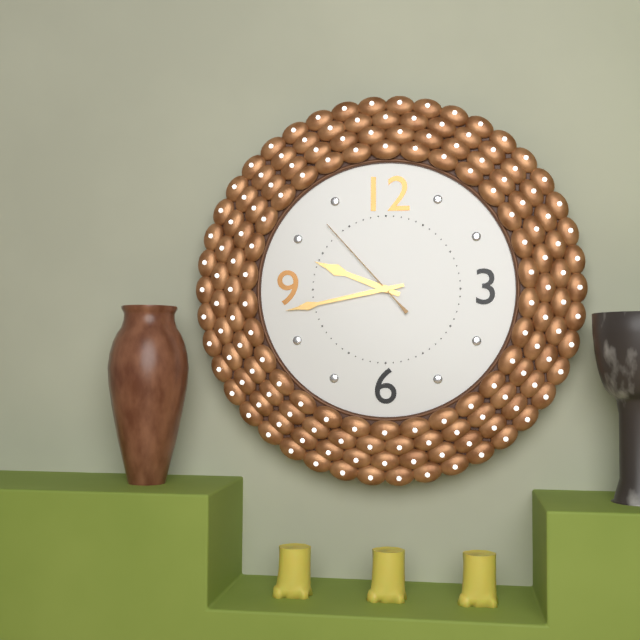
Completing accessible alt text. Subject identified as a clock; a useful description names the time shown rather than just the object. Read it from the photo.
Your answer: 9:43:53
